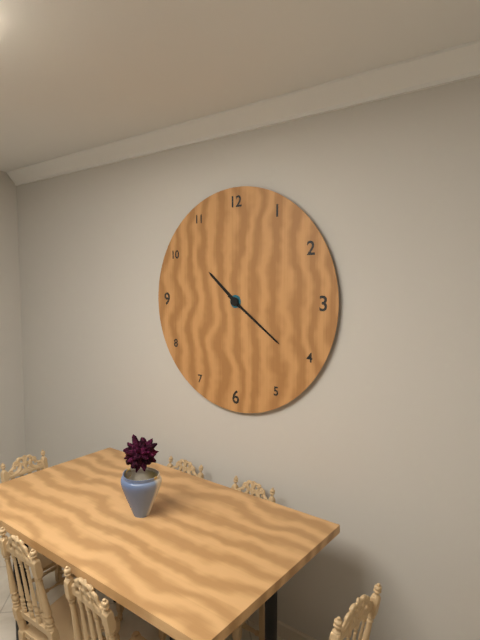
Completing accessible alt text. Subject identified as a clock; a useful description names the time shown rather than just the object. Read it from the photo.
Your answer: 10:21
